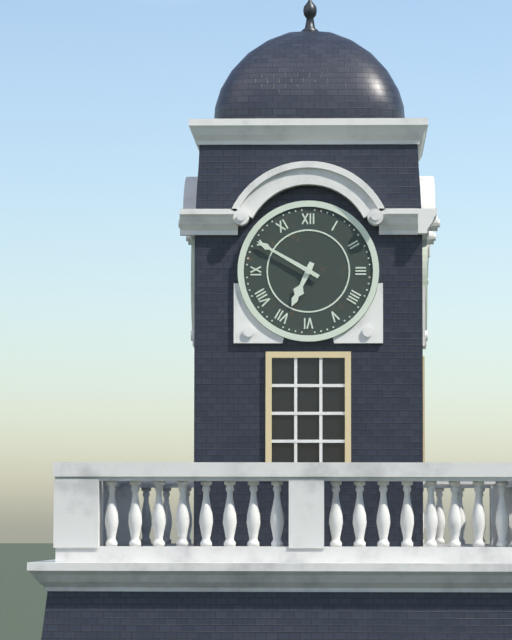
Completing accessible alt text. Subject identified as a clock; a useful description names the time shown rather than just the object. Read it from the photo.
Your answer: 6:50
